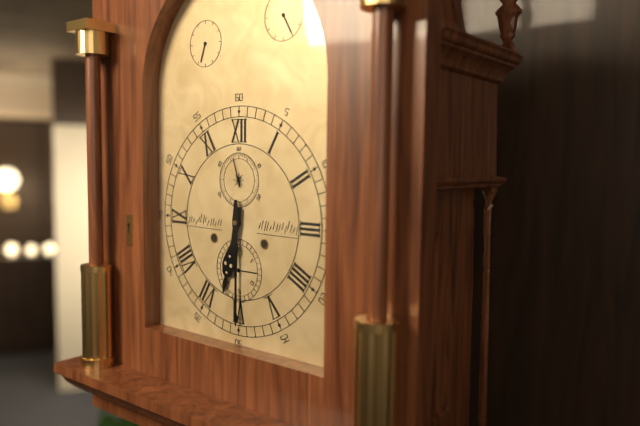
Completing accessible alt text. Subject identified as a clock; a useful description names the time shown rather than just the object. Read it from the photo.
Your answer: 6:30
